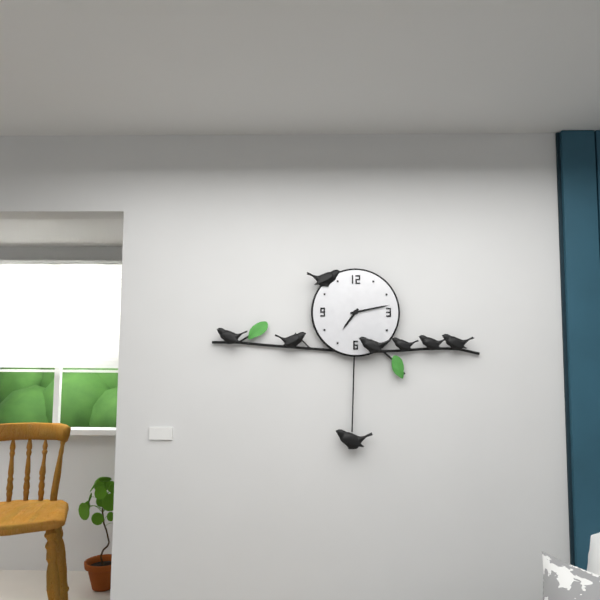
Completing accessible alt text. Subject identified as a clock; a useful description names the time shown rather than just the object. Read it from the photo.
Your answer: 7:13
